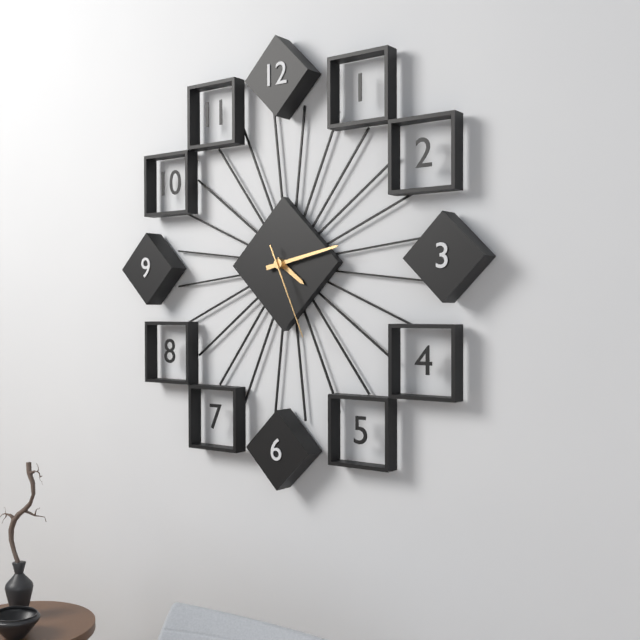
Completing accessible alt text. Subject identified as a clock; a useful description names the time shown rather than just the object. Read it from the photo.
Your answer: 4:13:26
